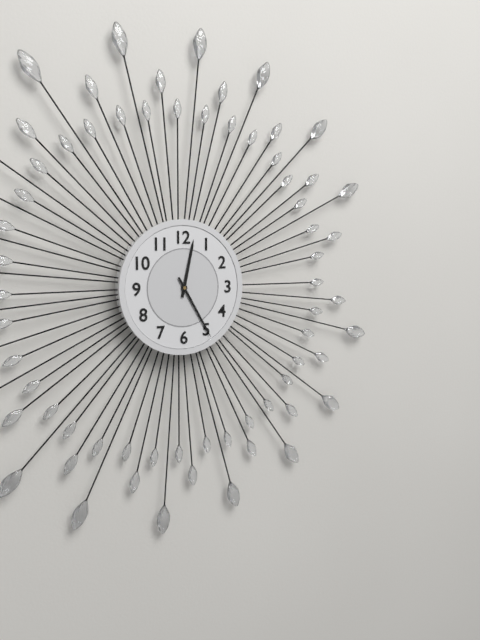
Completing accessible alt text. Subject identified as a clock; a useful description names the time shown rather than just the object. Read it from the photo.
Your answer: 12:25
